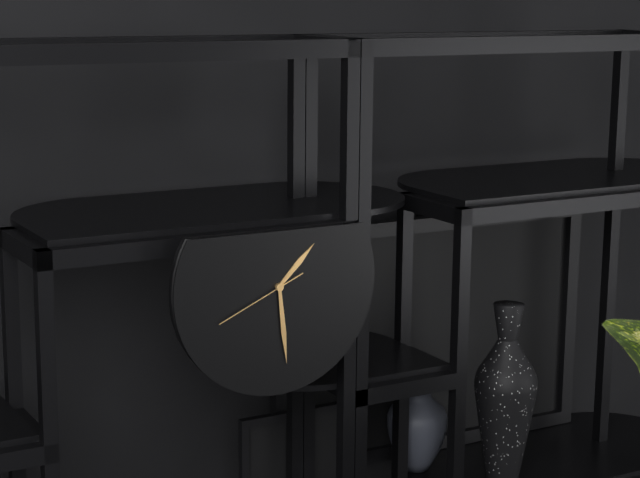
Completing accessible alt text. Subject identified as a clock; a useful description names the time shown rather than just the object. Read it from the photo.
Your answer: 1:29:41
